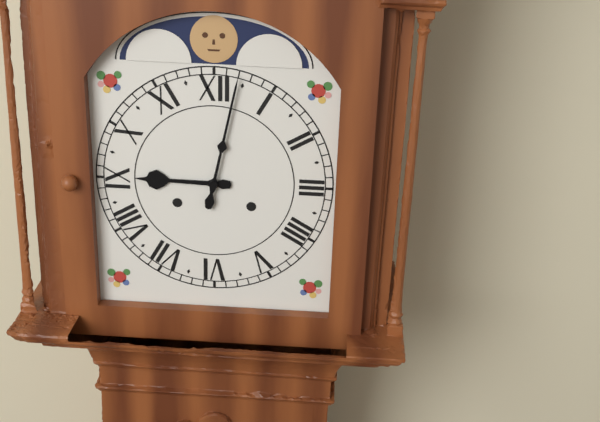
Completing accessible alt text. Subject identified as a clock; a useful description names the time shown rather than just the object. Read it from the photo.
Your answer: 9:02
